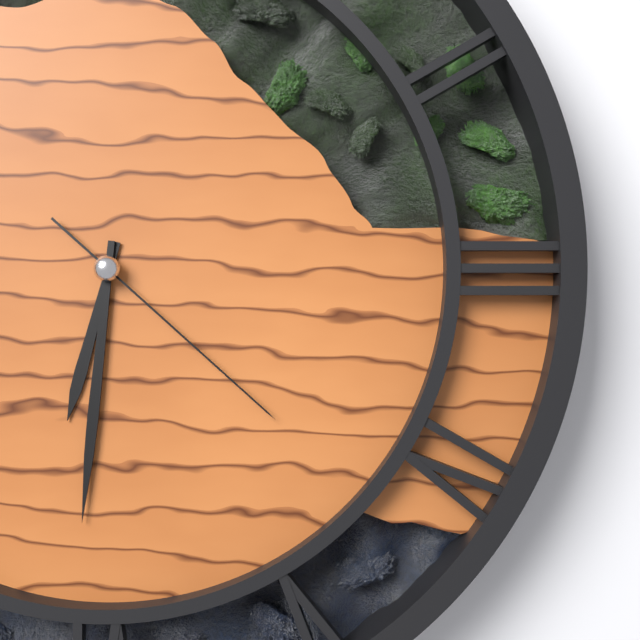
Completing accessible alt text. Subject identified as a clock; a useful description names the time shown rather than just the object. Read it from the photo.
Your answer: 6:31:22
